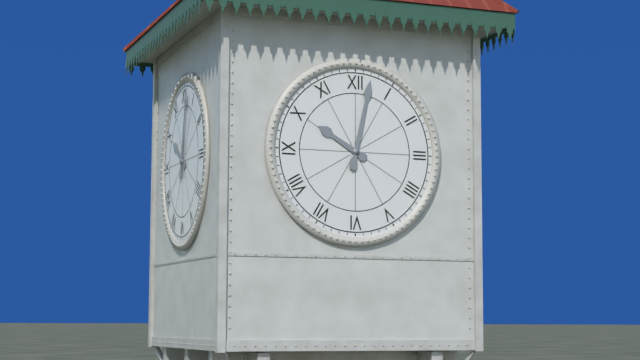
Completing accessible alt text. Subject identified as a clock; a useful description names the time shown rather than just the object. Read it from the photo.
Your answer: 10:02
